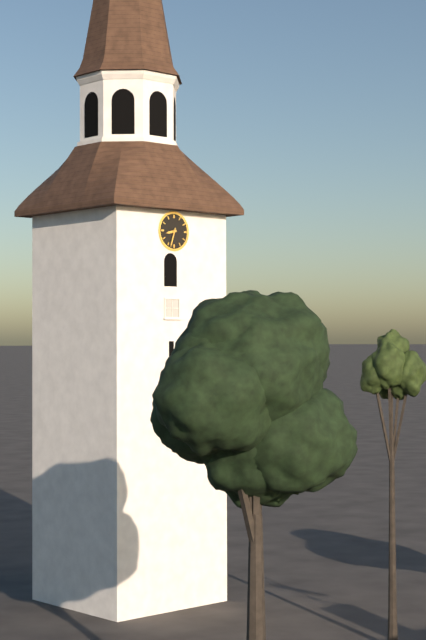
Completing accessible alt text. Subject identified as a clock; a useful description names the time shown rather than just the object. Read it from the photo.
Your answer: 8:33
